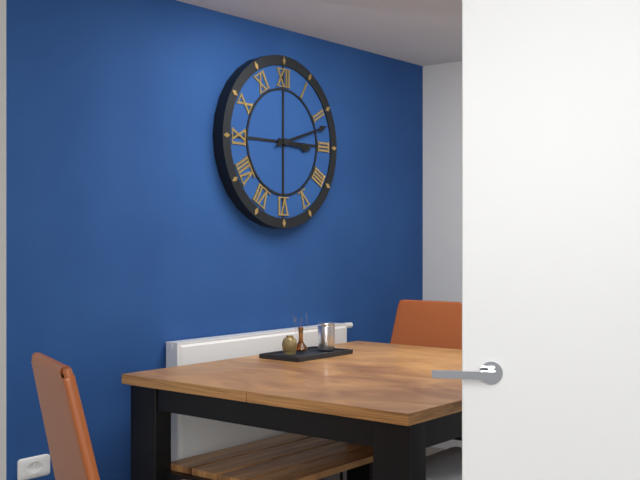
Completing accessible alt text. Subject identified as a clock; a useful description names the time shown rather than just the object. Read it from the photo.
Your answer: 3:12
